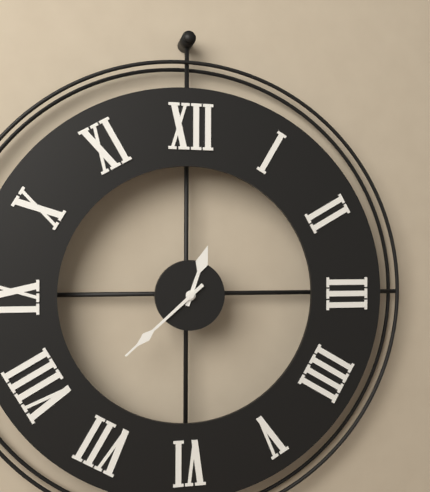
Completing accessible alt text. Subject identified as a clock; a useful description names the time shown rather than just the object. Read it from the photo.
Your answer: 12:38
